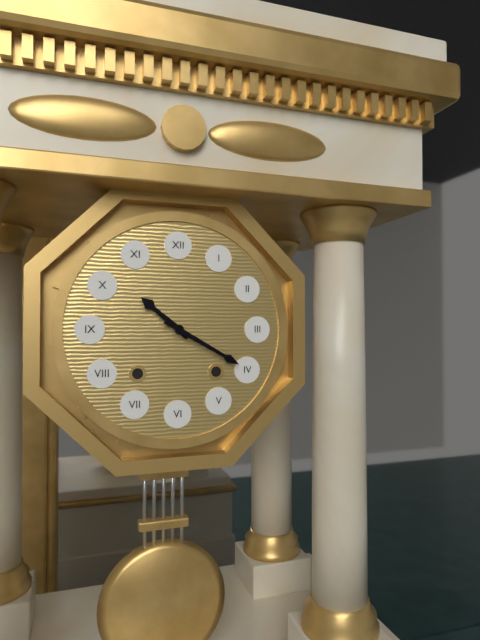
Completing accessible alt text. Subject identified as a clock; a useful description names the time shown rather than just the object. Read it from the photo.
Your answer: 10:20
